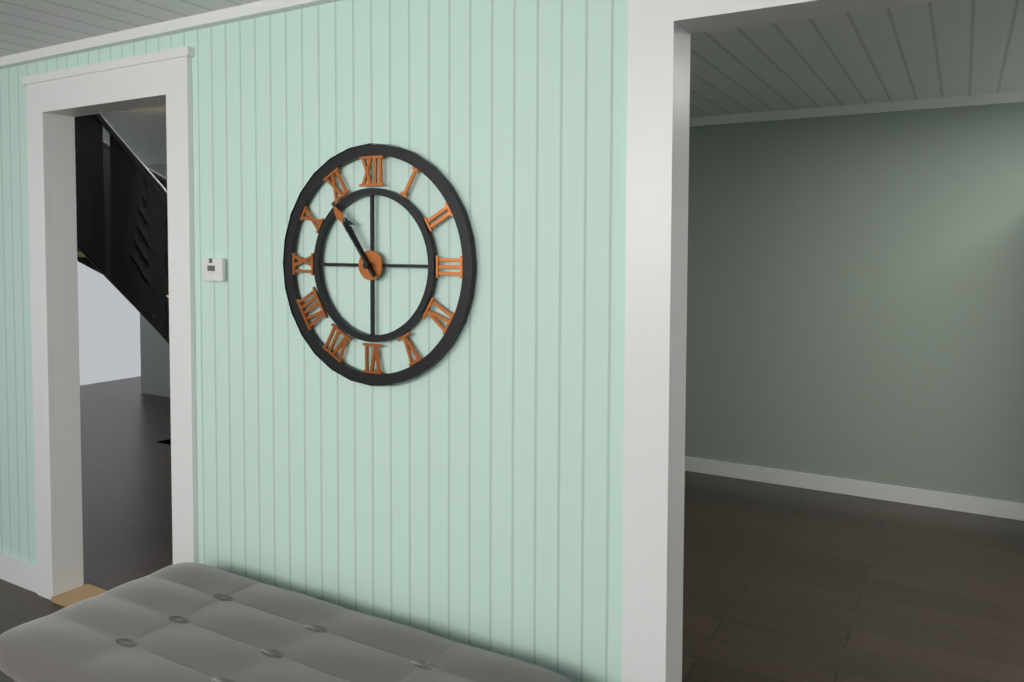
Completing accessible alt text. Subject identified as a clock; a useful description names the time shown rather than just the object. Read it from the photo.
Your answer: 10:54
